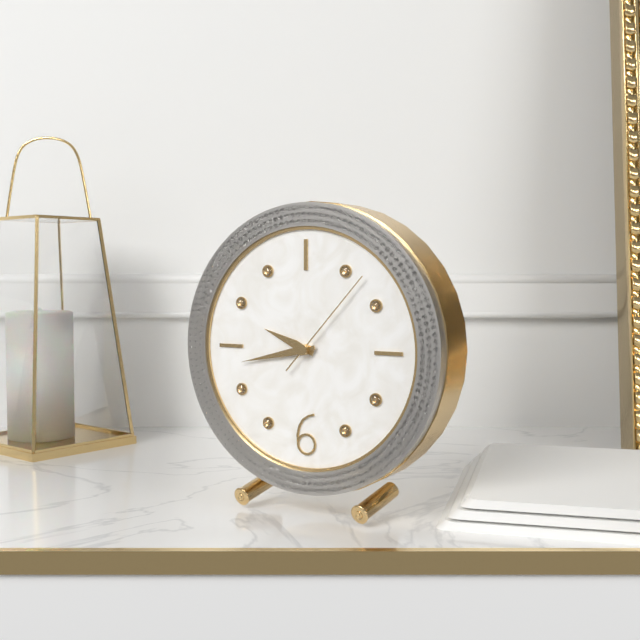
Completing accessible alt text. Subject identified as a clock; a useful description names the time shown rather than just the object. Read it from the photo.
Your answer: 9:43:07
